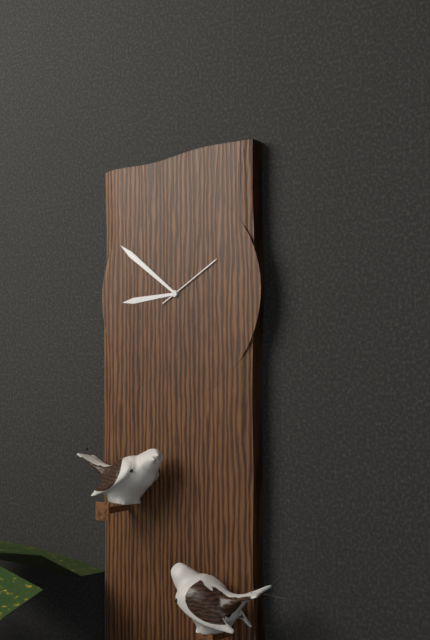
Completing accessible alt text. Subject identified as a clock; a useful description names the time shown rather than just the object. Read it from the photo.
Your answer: 8:51:10
